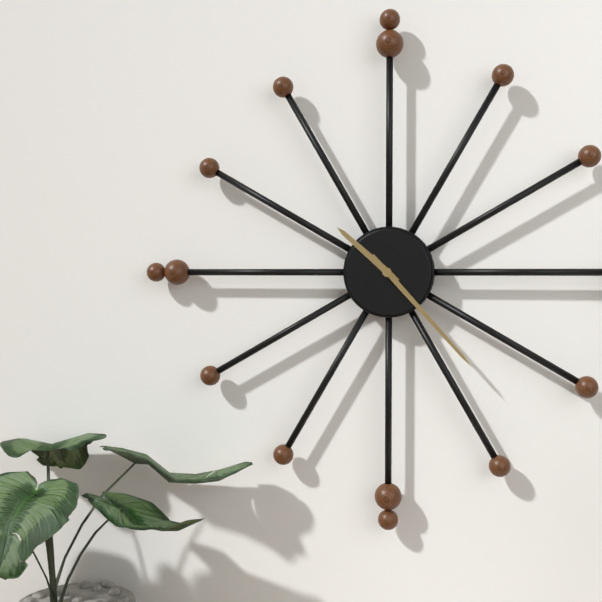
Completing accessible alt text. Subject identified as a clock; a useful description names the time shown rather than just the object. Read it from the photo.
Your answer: 10:23
